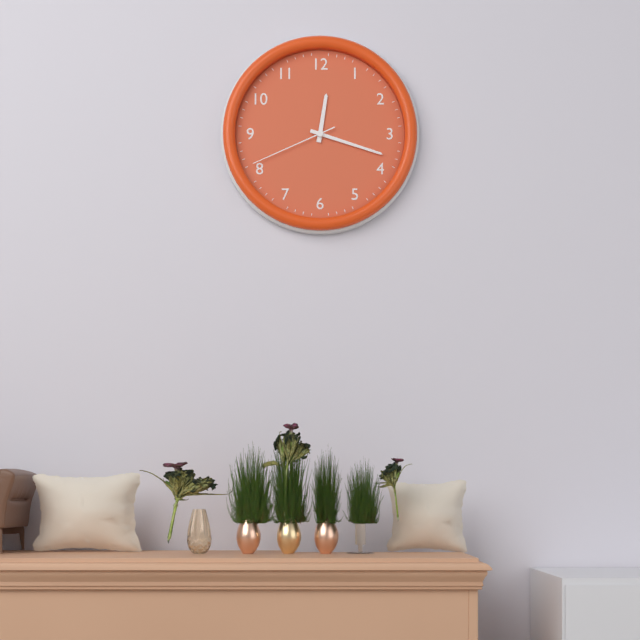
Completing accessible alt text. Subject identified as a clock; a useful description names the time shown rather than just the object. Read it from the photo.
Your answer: 12:18:41
